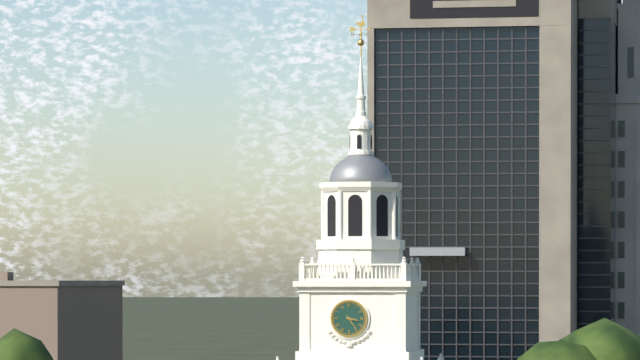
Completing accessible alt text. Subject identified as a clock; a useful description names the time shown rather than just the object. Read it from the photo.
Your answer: 3:24
